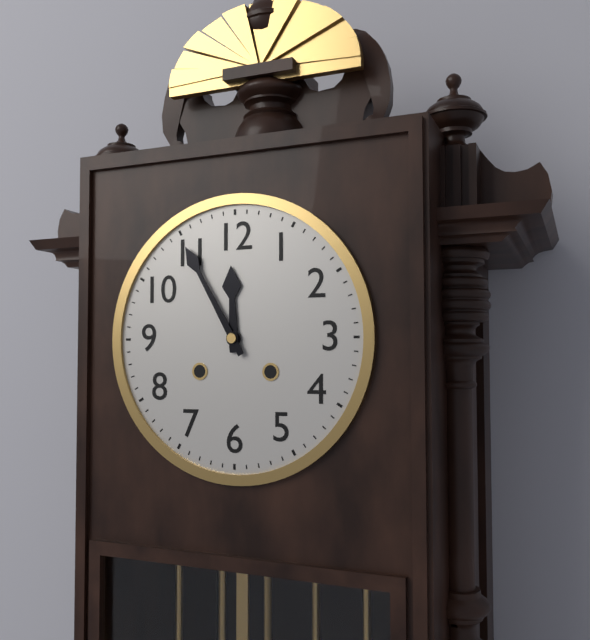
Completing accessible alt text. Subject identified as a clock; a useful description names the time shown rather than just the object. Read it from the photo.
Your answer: 11:55
